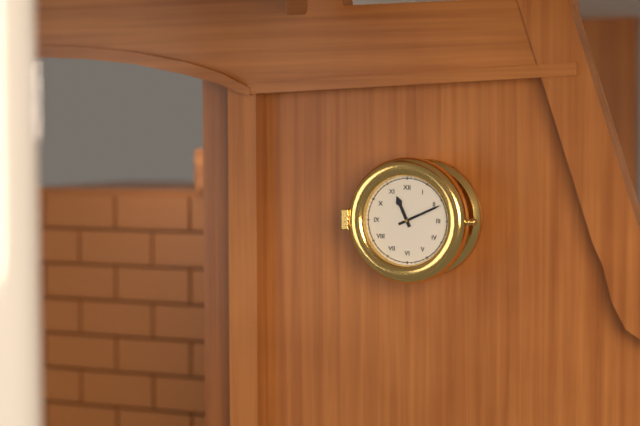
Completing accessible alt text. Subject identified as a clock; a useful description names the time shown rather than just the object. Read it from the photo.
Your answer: 11:11
